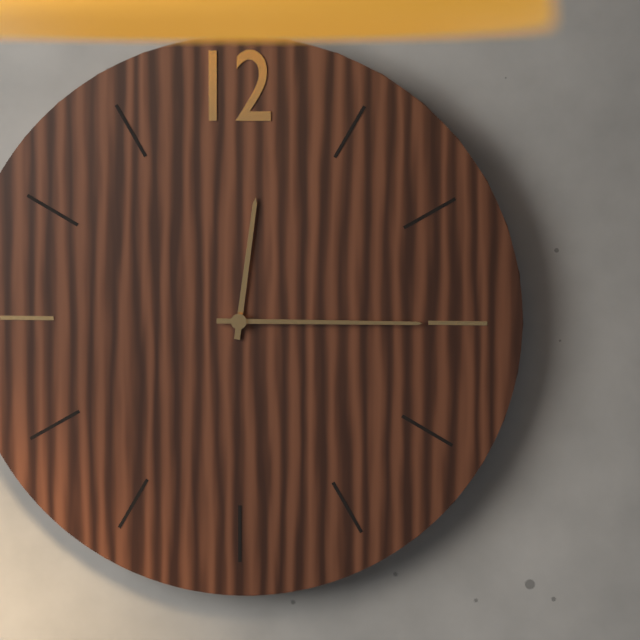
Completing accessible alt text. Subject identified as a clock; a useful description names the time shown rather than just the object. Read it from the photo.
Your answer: 12:15
